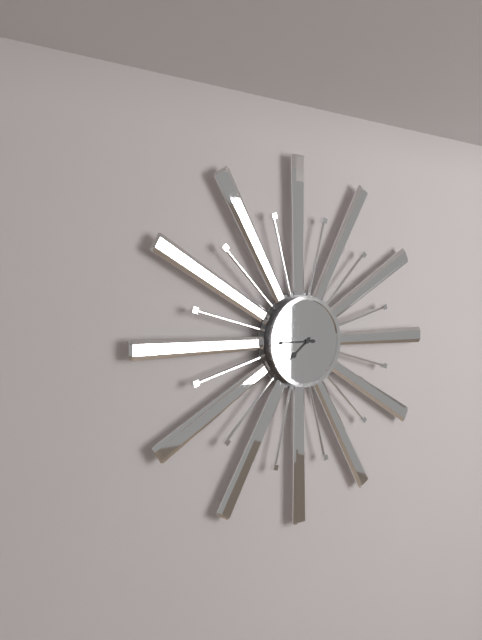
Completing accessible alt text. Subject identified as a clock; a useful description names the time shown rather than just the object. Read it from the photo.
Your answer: 7:45
